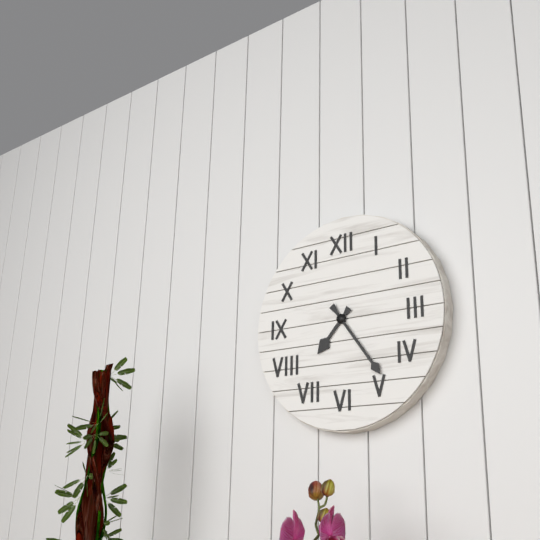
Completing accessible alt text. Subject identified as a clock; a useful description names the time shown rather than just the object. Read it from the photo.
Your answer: 7:24
